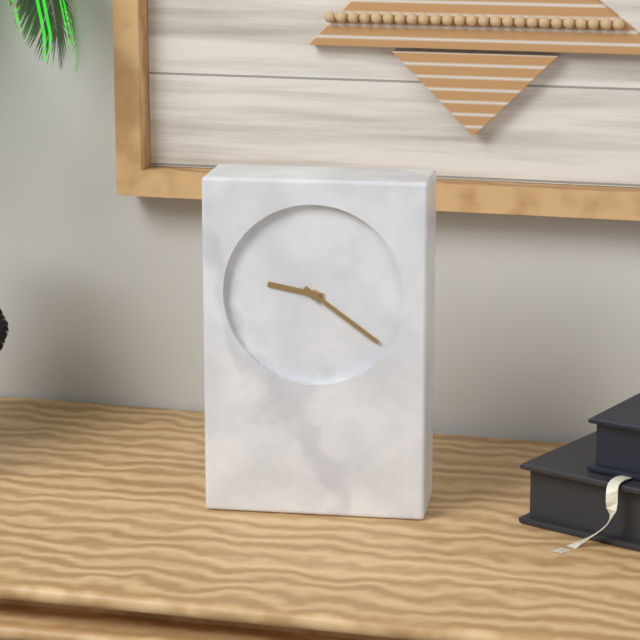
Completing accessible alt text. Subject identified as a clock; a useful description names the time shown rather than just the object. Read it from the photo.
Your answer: 9:21
